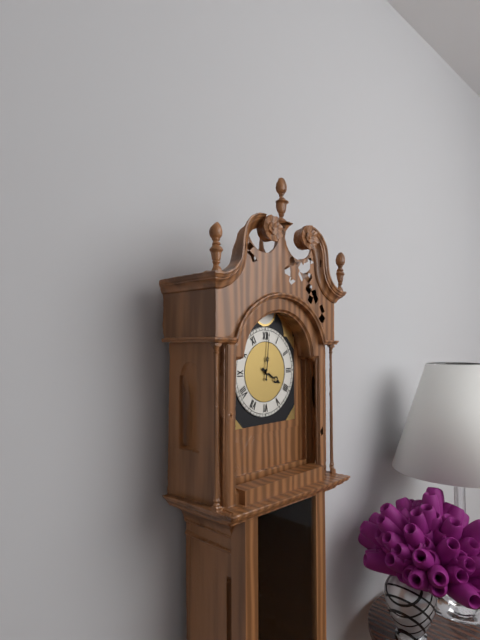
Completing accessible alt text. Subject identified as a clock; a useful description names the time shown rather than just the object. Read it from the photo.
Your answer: 4:01
